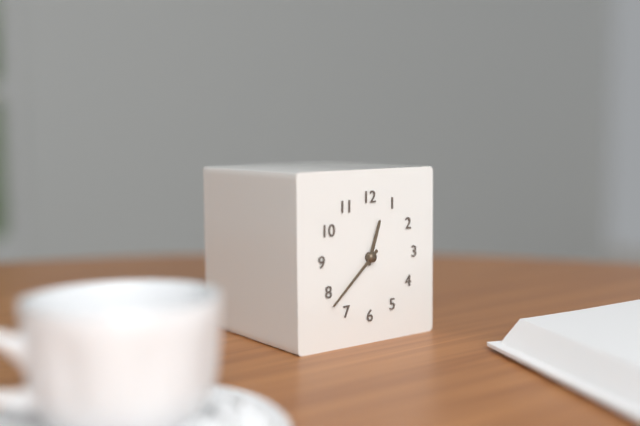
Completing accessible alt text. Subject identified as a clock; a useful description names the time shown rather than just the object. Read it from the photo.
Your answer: 12:38
